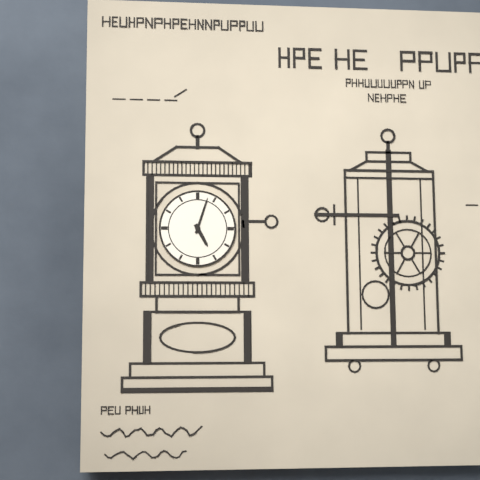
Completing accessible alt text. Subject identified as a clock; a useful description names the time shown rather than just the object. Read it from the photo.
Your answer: 5:03
